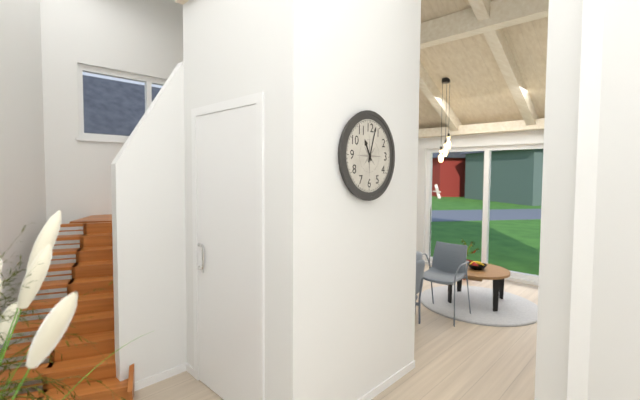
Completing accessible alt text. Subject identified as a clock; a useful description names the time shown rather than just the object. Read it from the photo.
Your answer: 11:03
